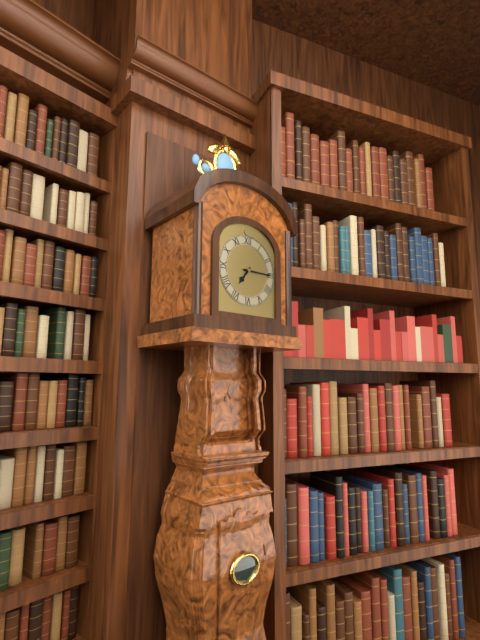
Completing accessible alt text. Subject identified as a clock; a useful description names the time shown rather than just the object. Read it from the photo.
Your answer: 7:15
